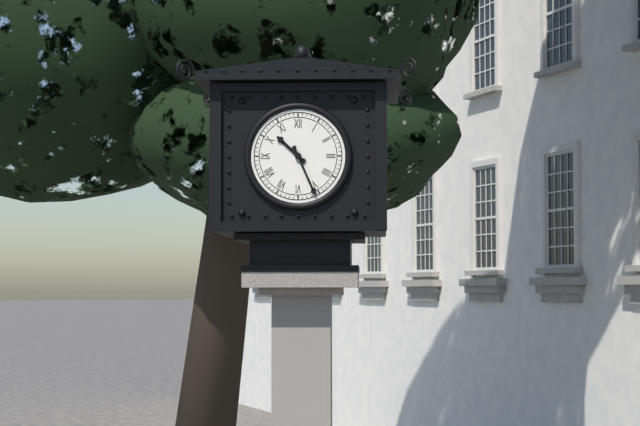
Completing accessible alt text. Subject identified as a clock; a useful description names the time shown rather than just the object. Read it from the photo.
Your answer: 10:26
